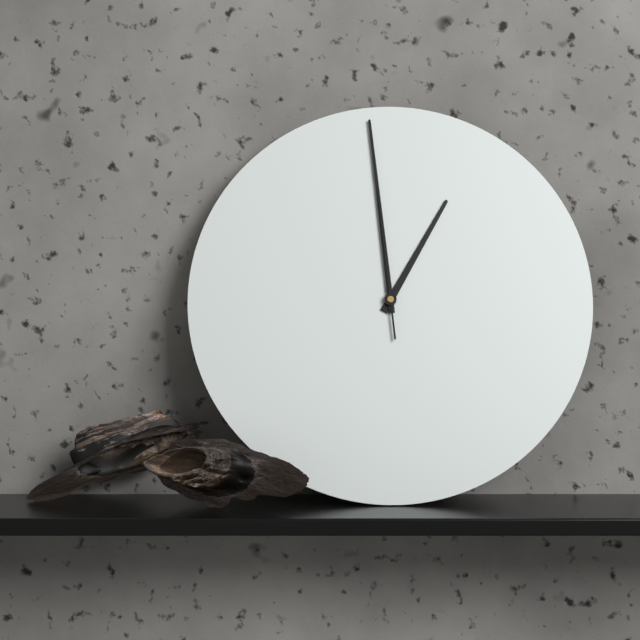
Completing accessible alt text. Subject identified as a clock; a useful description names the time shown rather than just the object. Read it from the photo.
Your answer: 12:59:59
